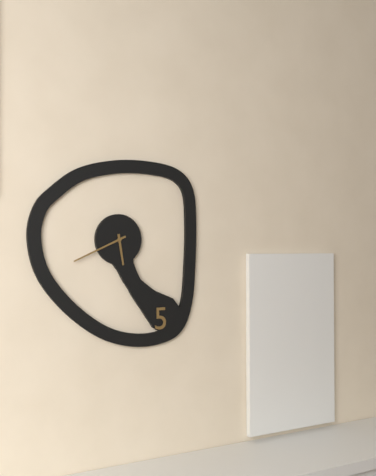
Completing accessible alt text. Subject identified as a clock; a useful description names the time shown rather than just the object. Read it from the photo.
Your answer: 5:41
